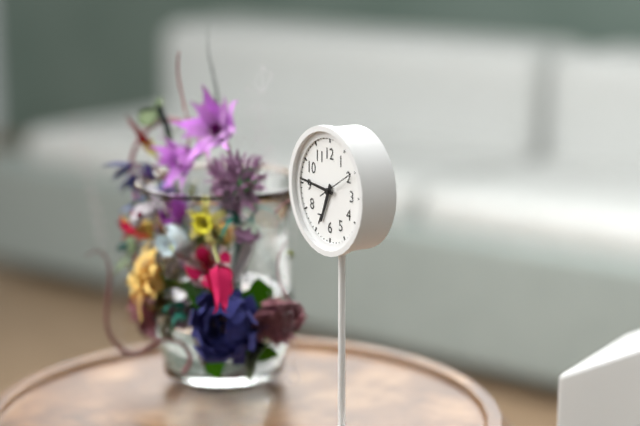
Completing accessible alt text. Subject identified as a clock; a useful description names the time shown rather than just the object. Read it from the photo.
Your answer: 6:46
